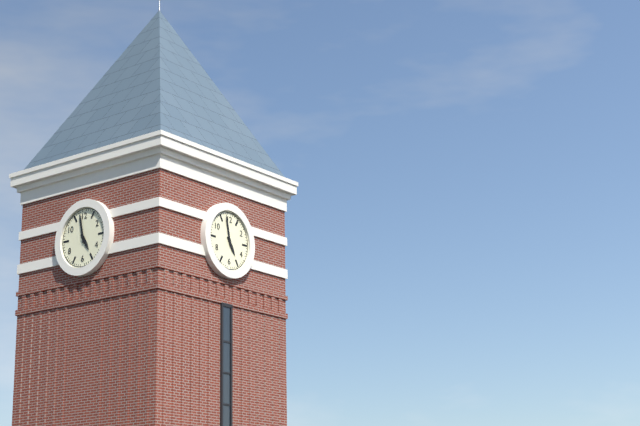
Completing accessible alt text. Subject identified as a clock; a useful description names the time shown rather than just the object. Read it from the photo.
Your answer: 4:58
